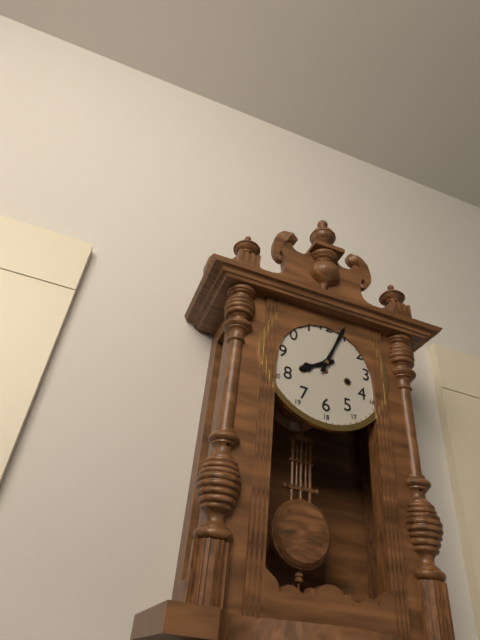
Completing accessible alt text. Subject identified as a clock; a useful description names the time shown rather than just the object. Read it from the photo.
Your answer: 8:04
